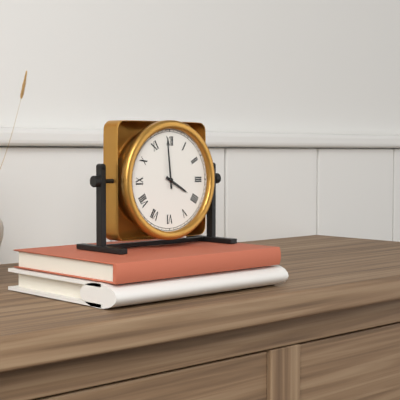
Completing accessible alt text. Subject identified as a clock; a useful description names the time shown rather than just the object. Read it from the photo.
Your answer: 3:59
